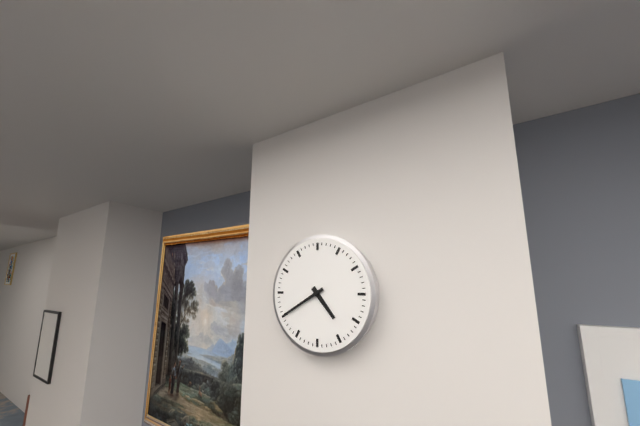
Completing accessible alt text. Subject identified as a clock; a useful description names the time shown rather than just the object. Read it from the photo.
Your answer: 4:40
